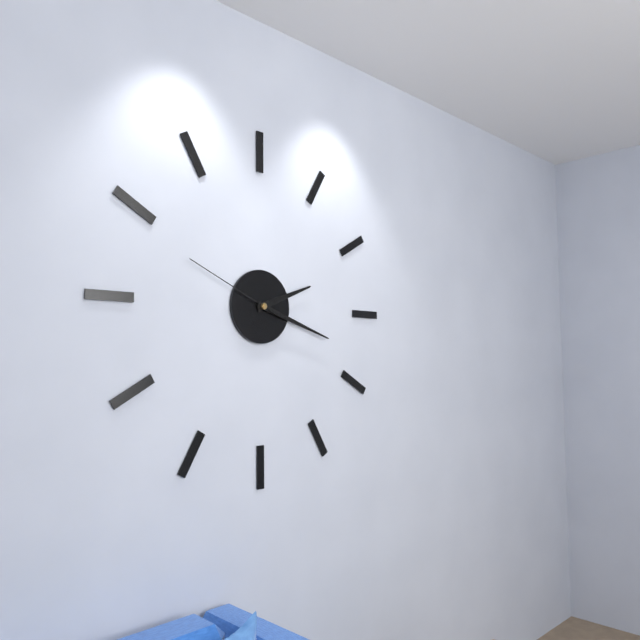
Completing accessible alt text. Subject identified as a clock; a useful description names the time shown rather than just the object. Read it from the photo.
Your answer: 2:18:49
